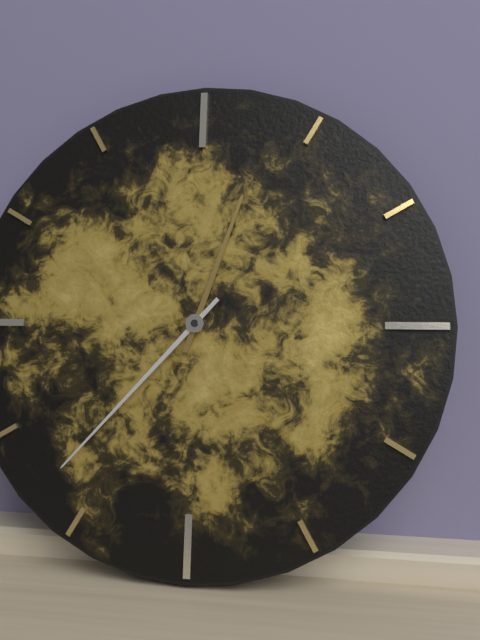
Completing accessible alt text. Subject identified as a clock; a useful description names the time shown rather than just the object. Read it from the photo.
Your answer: 12:37
